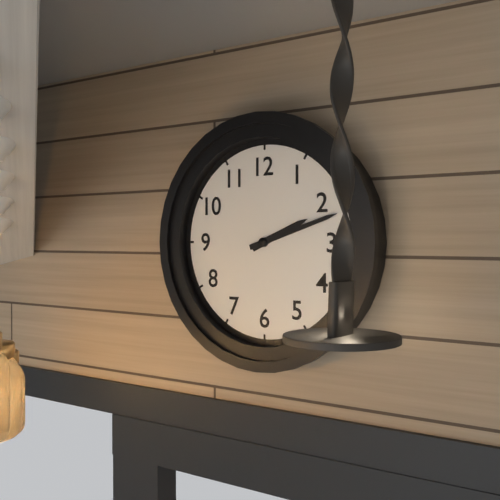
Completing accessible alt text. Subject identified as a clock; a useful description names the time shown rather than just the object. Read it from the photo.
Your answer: 2:12
